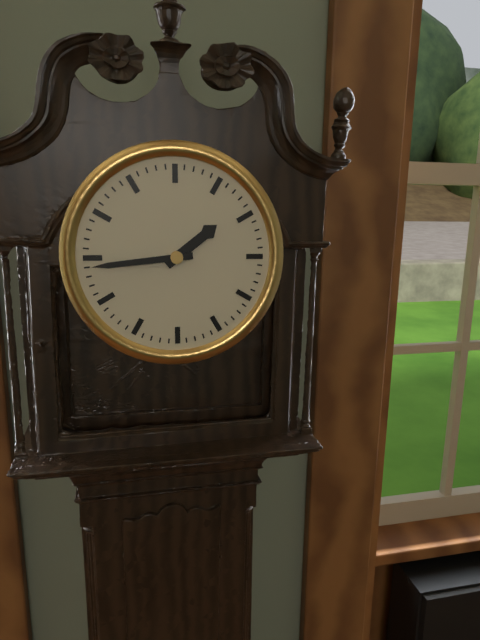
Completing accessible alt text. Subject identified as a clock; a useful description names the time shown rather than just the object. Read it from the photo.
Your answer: 1:44
